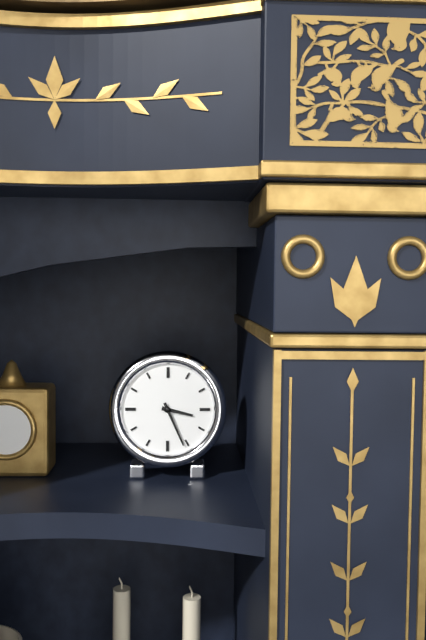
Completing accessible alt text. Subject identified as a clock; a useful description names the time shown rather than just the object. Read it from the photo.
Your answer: 3:26
